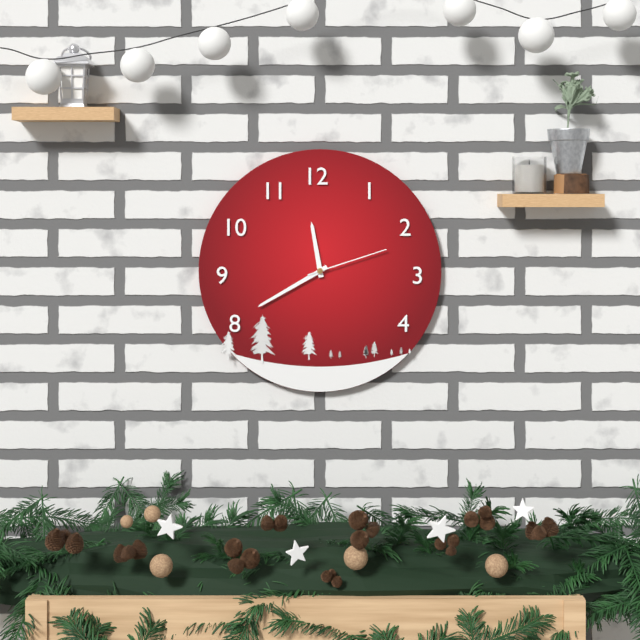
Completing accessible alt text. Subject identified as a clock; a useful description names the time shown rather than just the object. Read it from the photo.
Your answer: 11:40:12
